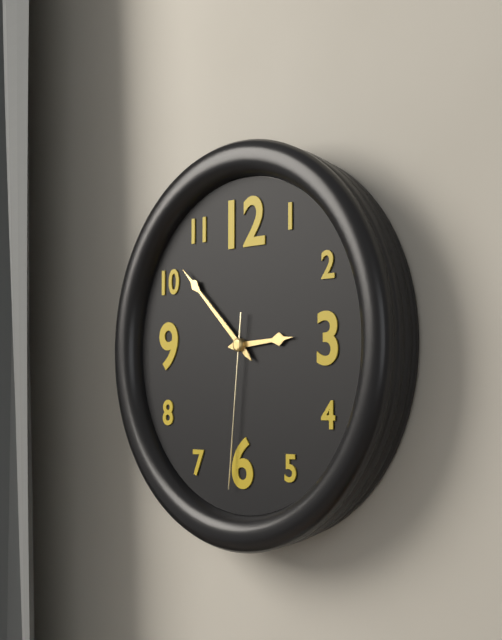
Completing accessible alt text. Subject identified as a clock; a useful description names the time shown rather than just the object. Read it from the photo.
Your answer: 2:52:31
